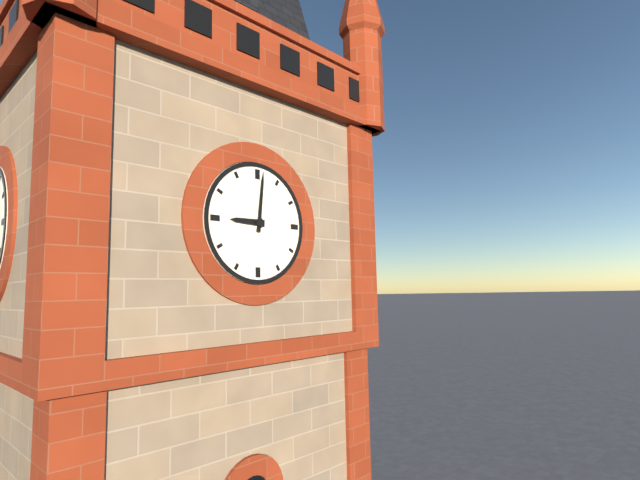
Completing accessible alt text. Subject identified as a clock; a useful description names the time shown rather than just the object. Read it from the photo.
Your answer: 9:01
